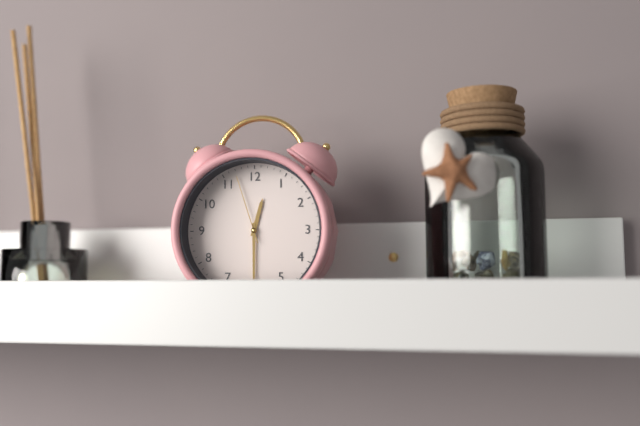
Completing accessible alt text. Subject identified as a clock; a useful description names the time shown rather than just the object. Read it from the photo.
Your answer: 12:30:57
